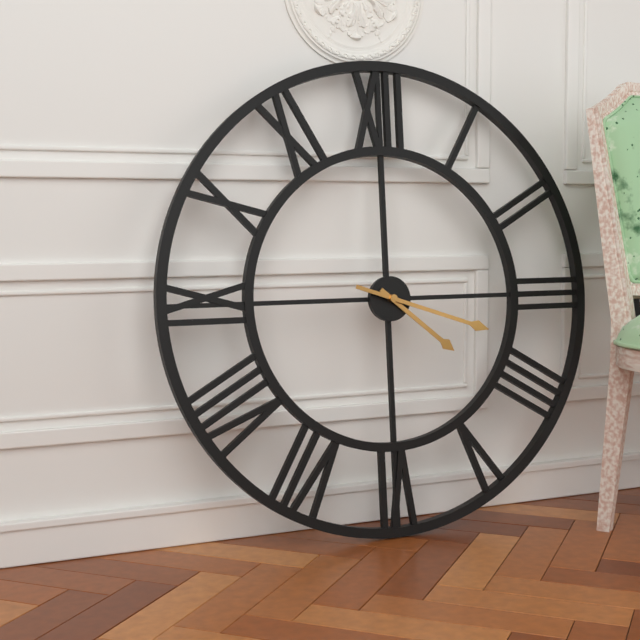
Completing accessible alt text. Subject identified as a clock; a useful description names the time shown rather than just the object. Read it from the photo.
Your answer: 4:18
